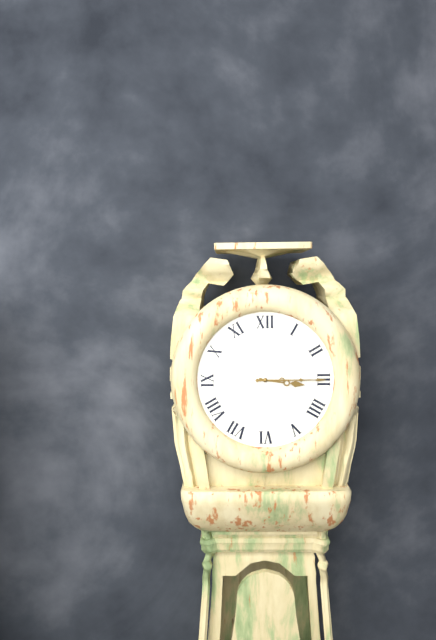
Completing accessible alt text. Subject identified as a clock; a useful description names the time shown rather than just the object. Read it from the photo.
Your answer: 3:15
